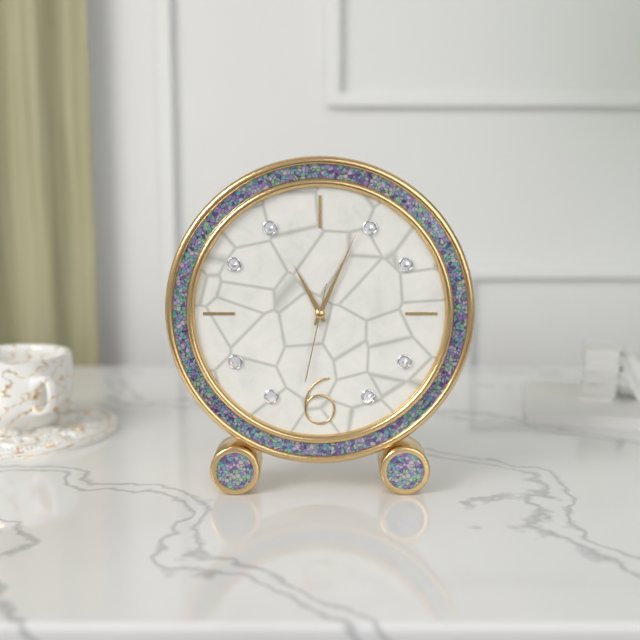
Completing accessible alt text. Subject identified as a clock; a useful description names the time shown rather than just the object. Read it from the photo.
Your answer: 11:04:32
